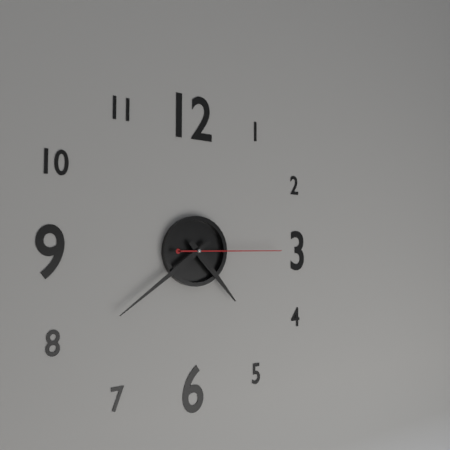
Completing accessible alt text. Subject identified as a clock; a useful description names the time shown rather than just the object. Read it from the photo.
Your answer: 4:39:15
